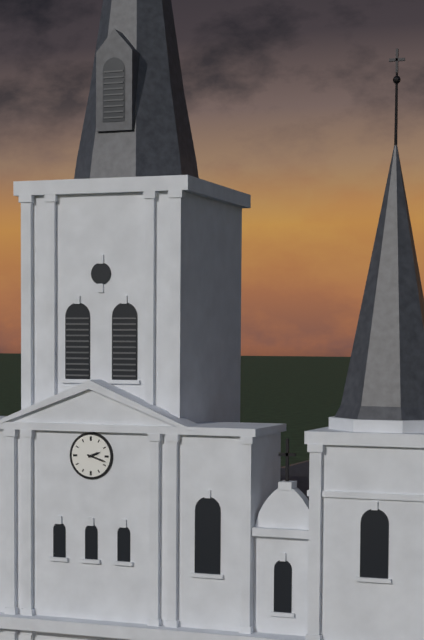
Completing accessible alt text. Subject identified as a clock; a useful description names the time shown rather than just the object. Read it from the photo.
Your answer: 2:18
